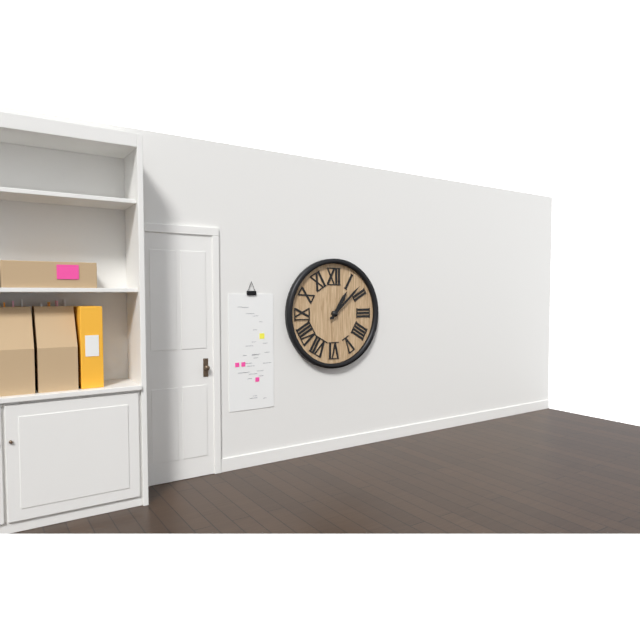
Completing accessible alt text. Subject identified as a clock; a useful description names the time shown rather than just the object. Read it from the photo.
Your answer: 1:08
